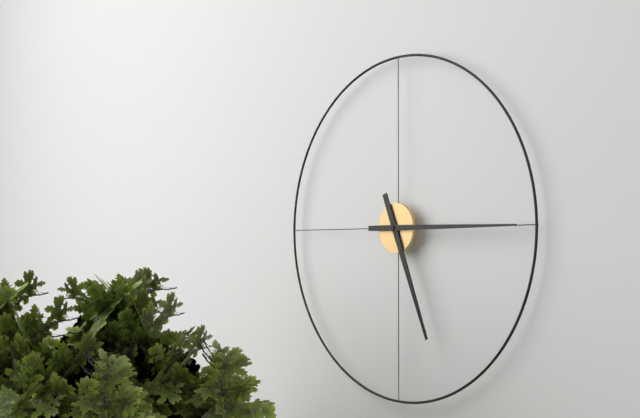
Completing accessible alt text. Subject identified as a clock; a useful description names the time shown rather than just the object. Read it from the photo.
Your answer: 5:15
